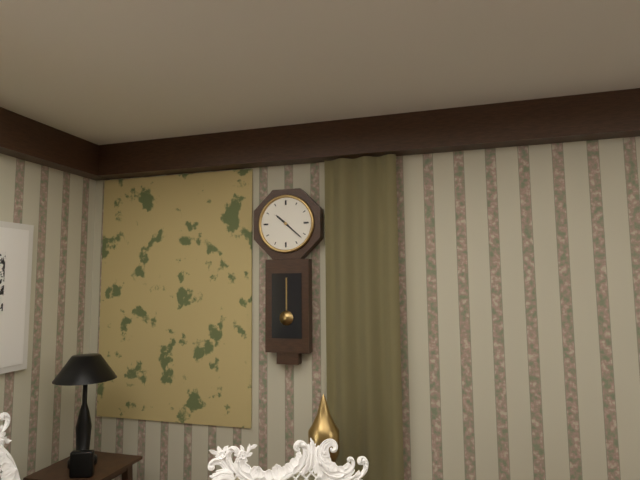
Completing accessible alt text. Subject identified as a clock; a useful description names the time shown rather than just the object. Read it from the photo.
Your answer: 10:22
